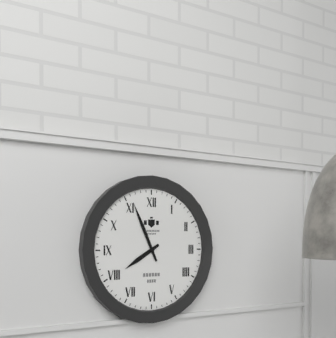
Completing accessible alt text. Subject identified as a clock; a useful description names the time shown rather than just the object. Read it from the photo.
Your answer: 7:56
